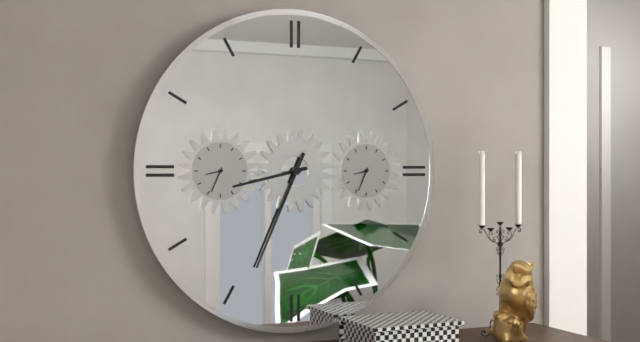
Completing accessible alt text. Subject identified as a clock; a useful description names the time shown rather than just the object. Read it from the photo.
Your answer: 8:34
